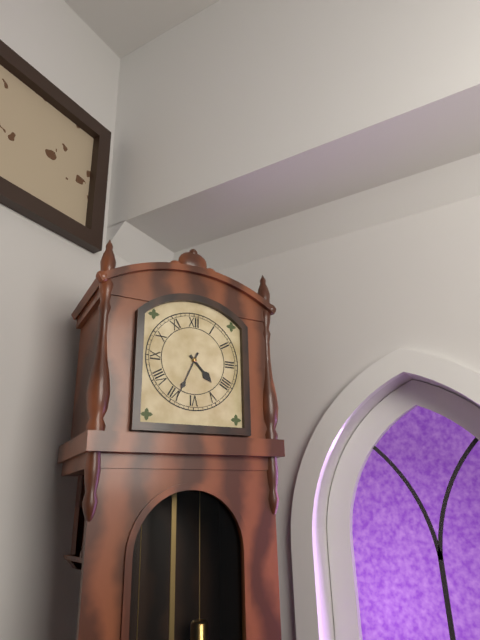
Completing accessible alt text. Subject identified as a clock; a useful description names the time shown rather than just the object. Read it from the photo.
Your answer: 4:34
